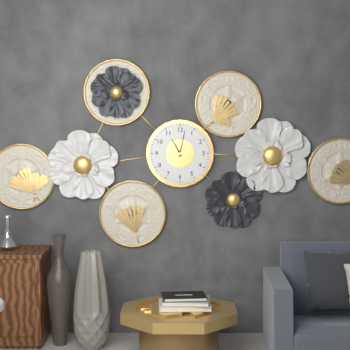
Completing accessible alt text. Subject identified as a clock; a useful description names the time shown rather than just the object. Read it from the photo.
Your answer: 11:02
